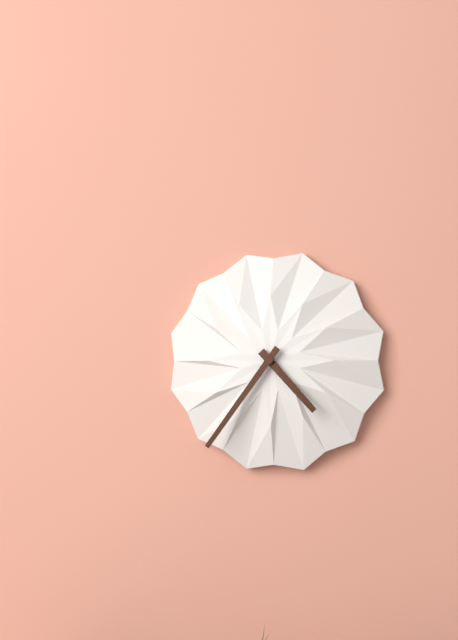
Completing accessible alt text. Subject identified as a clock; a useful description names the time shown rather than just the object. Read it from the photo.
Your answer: 4:36
